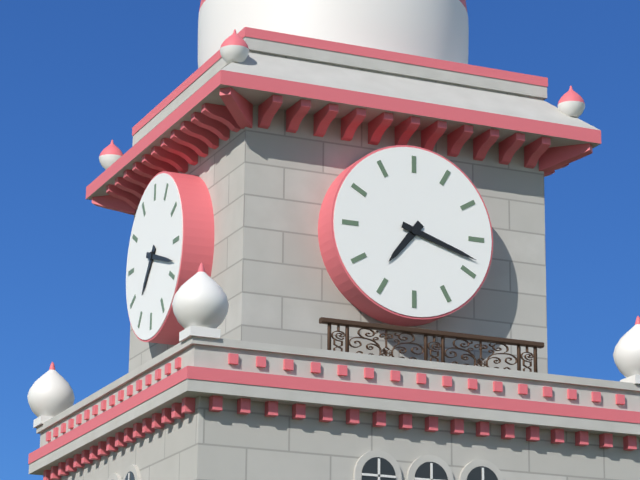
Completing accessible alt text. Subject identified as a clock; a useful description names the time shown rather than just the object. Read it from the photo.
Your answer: 7:18
